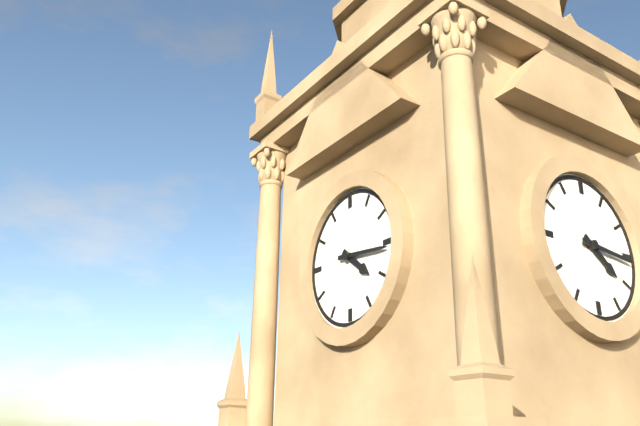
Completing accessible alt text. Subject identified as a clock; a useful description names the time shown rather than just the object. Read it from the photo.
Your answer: 4:16
